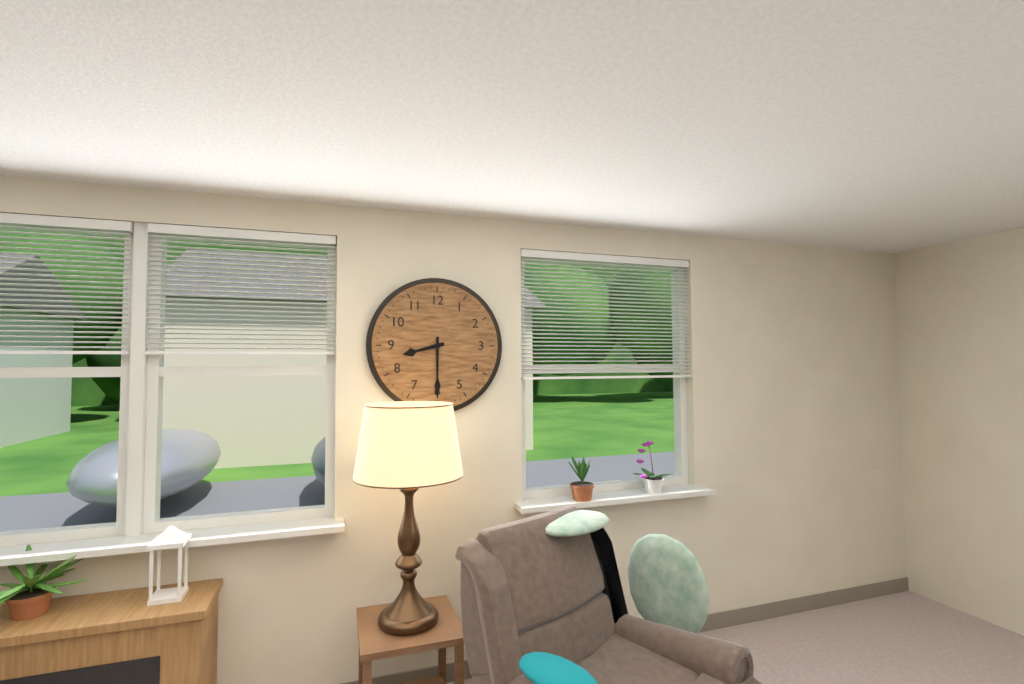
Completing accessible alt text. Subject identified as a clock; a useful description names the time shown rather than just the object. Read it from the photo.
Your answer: 8:30
